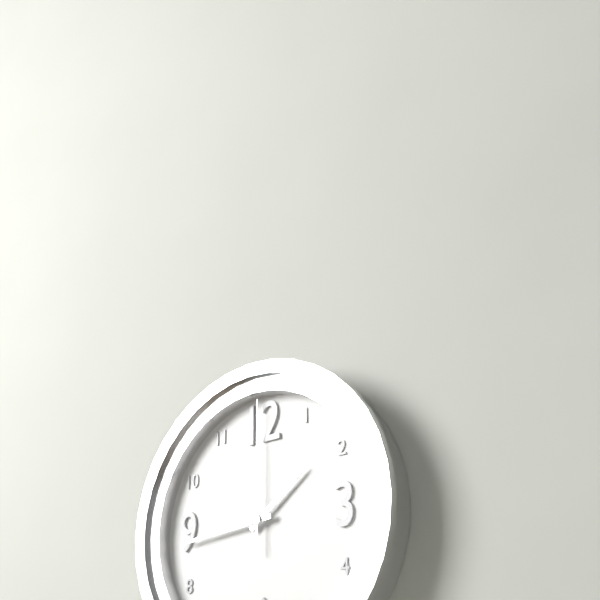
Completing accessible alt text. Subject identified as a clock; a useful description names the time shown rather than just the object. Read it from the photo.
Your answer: 1:44:00
